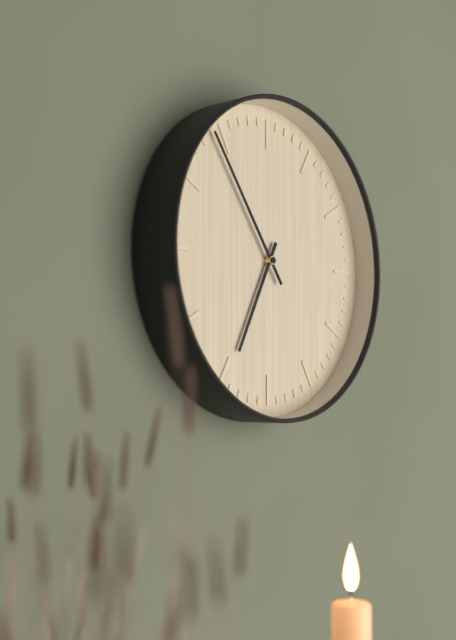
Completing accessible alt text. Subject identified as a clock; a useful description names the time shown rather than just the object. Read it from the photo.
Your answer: 6:54
